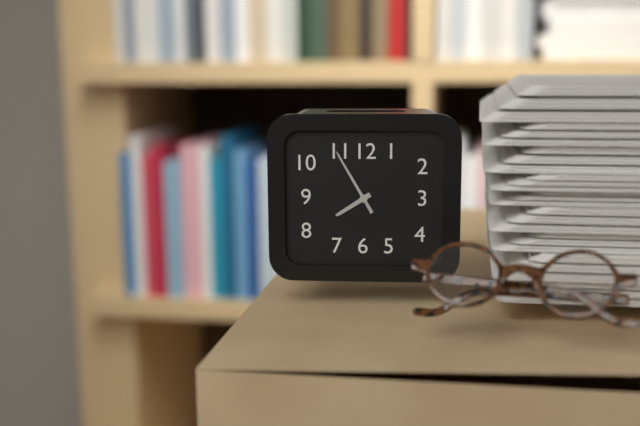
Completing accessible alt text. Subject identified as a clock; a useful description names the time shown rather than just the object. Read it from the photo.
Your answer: 7:55
